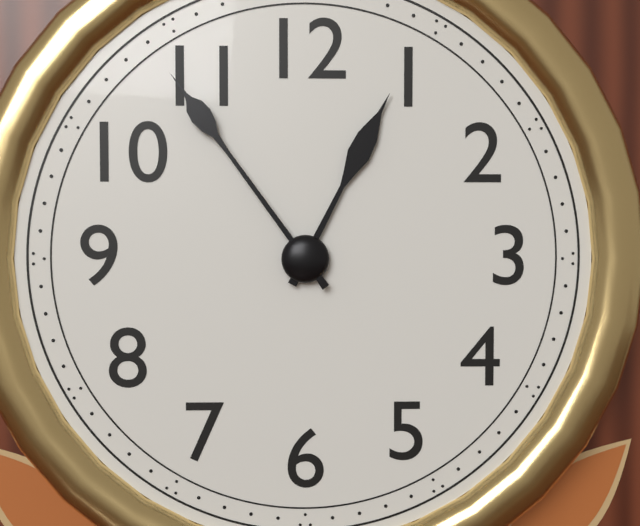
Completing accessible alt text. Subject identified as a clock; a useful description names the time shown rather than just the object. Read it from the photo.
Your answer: 12:54
